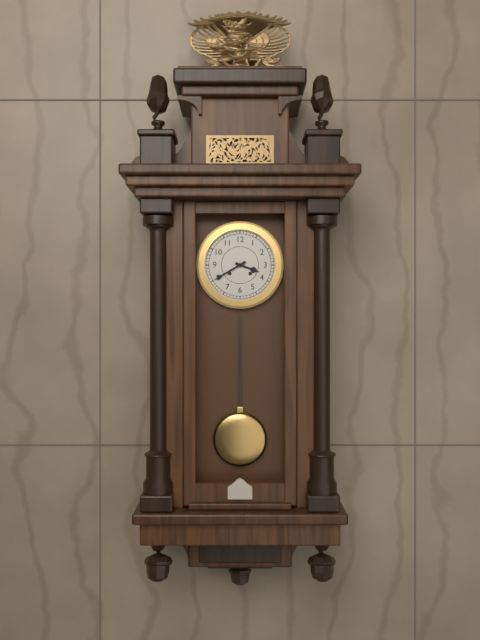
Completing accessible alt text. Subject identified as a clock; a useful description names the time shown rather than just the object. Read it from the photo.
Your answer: 3:40
